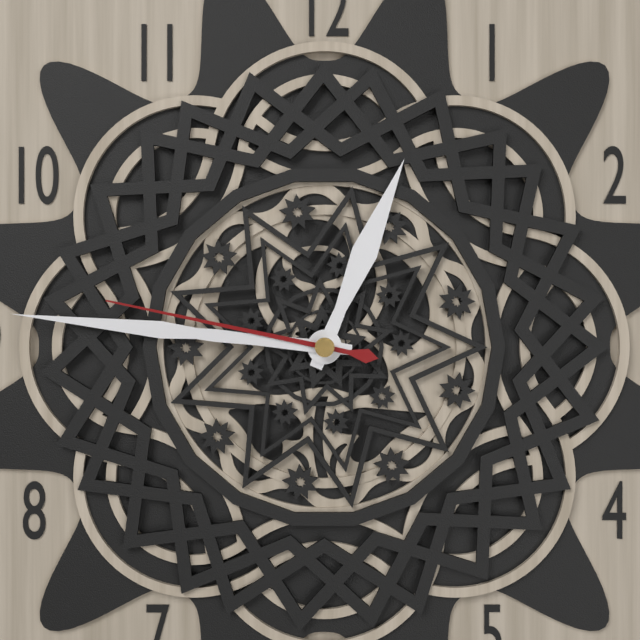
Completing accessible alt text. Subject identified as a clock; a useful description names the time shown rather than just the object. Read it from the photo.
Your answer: 12:46:47
